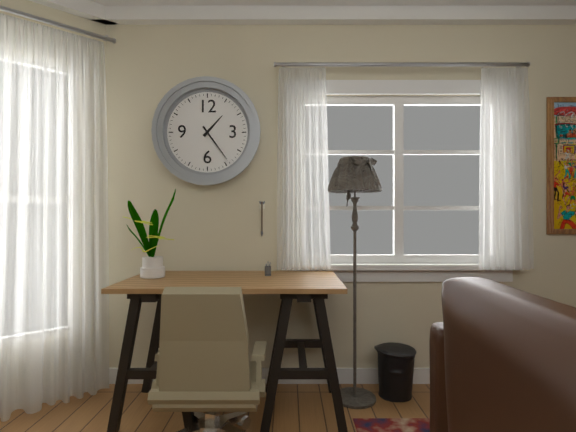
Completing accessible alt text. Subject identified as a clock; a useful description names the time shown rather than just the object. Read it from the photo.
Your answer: 1:24
